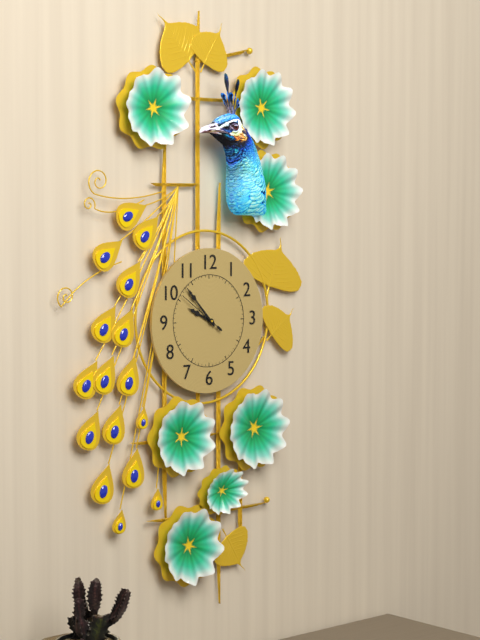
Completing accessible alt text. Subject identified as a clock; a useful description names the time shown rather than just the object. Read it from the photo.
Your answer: 9:53
